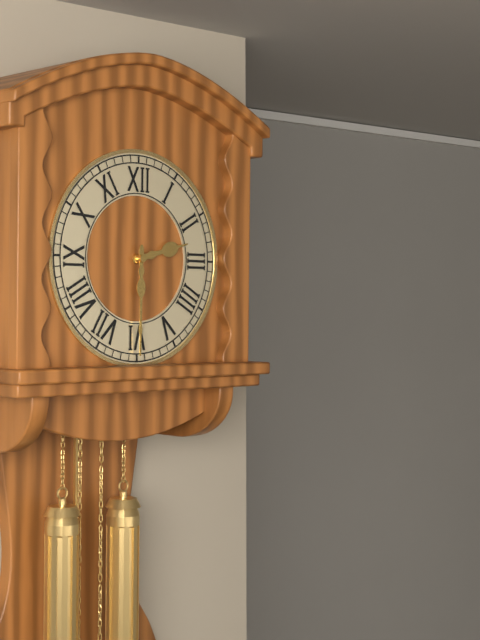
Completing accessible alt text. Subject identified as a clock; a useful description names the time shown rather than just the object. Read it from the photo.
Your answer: 2:30
